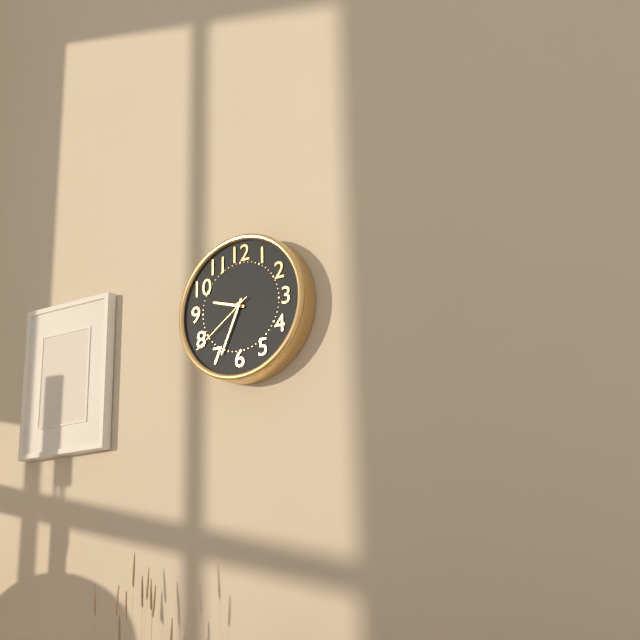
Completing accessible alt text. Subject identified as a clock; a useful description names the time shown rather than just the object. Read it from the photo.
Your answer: 9:34:39
